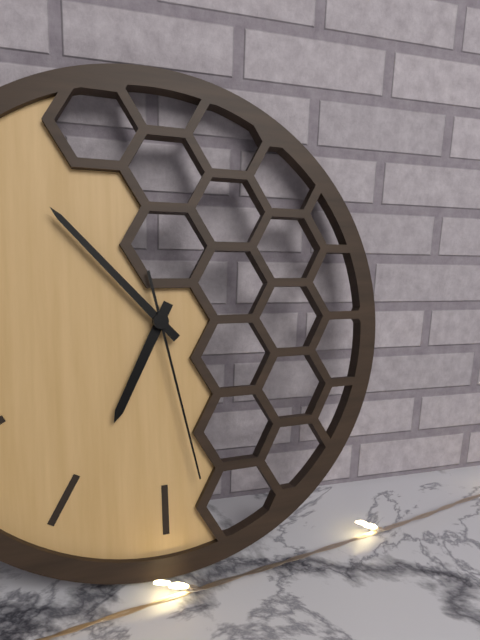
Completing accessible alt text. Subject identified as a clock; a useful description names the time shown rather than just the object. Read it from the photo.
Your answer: 6:53:28
